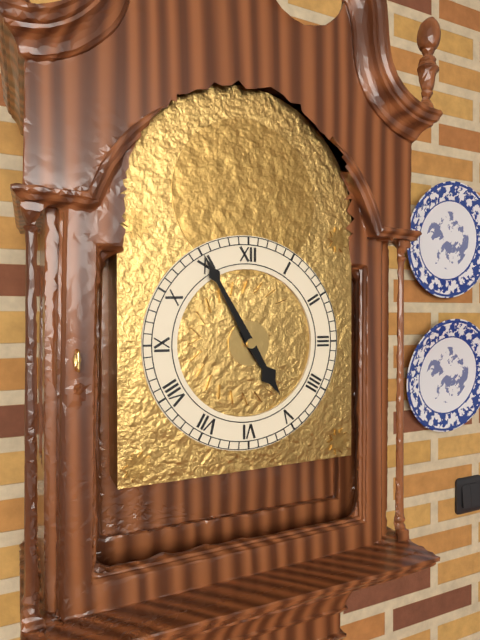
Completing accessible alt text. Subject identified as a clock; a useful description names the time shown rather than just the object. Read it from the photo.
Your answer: 4:55
